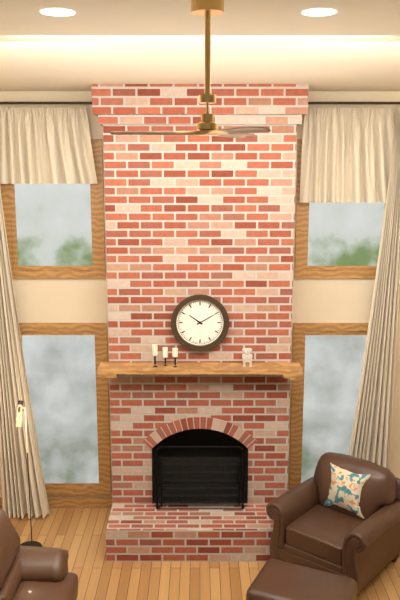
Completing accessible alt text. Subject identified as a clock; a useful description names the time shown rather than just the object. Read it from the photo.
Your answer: 10:10
